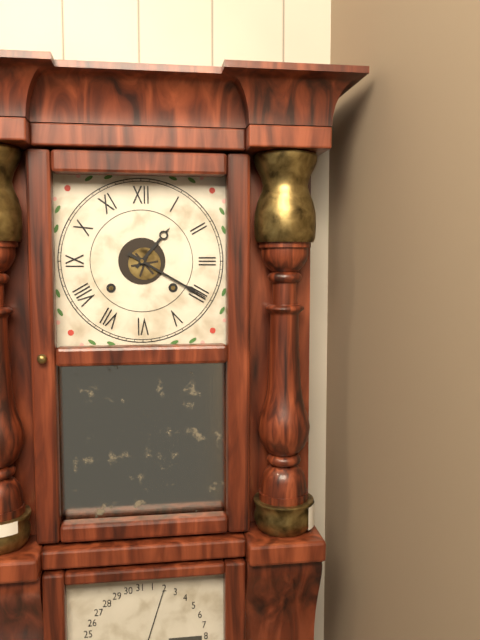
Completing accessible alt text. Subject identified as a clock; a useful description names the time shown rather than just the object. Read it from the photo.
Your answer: 1:20
